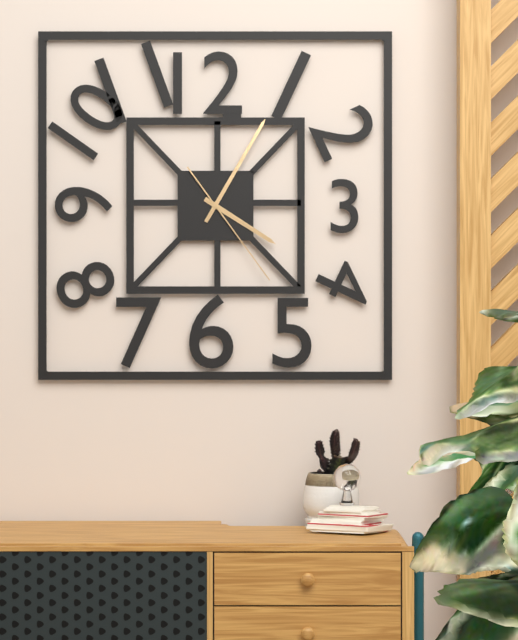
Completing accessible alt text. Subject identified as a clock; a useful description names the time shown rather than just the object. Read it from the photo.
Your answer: 4:05:24
